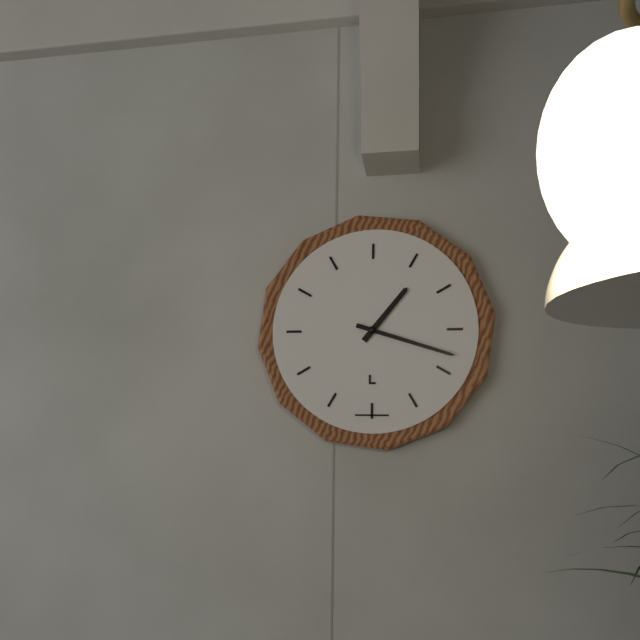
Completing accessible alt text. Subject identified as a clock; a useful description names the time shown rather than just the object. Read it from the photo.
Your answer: 1:18
